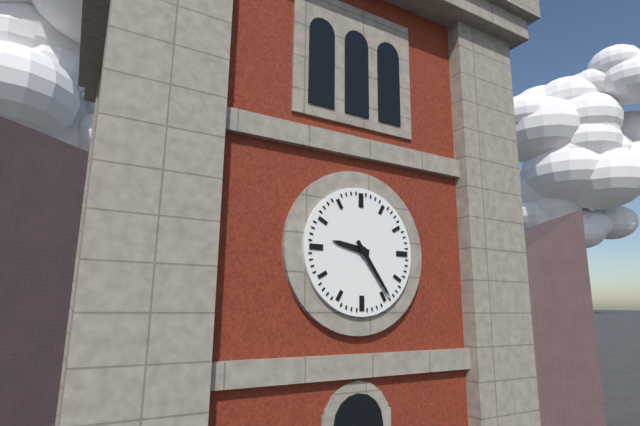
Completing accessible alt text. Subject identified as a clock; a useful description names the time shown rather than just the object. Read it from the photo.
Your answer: 9:24
